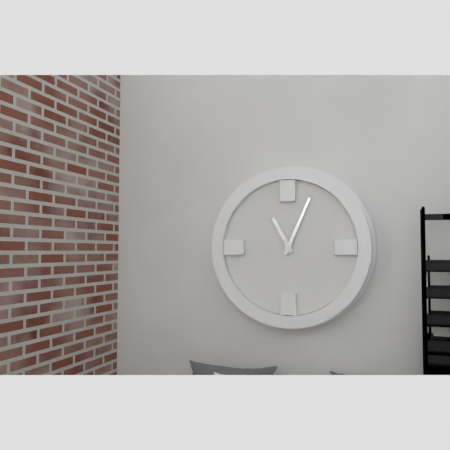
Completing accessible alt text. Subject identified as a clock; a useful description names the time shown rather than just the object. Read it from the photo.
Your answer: 11:04
